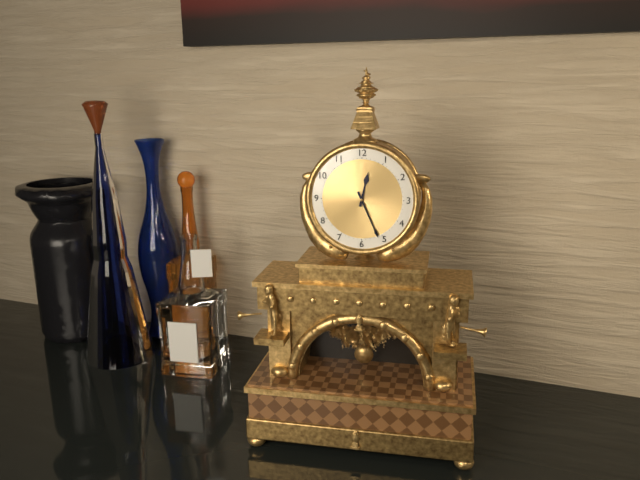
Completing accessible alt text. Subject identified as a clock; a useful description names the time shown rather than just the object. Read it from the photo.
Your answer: 12:26
